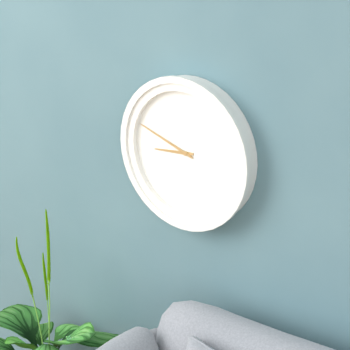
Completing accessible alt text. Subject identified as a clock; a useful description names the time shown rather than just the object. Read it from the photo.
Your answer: 8:48
